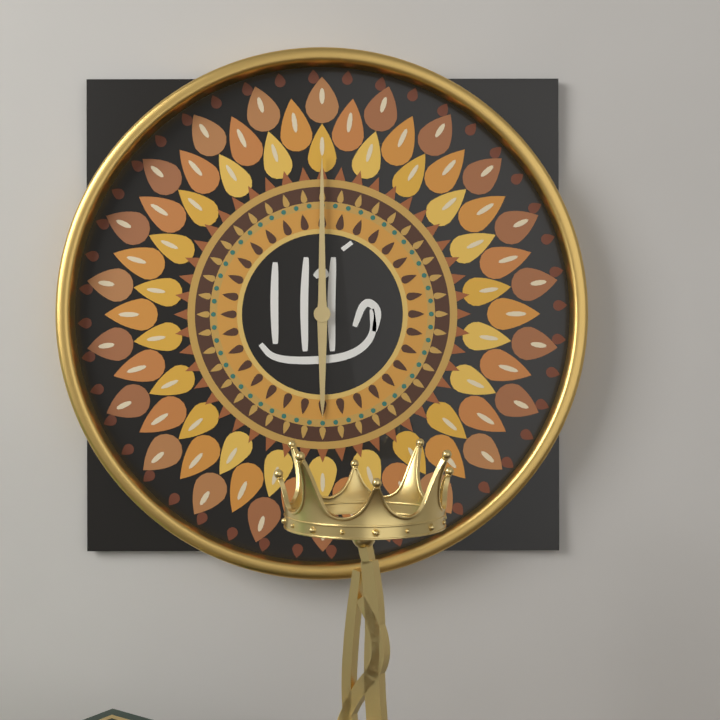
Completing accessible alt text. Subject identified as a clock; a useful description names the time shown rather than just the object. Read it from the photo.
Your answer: 6:00
